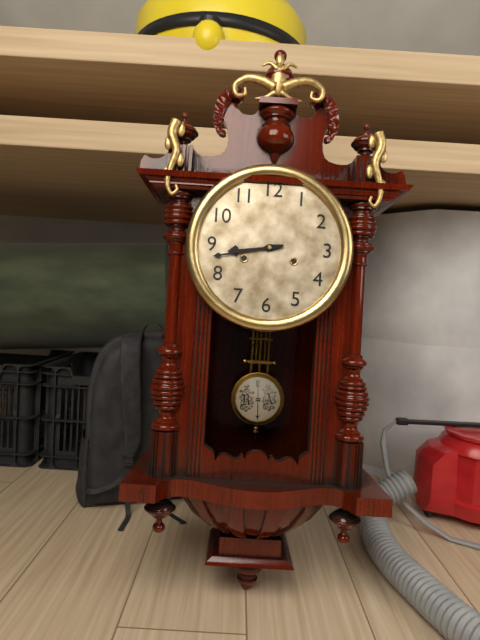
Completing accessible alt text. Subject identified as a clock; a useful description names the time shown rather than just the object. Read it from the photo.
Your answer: 8:43
